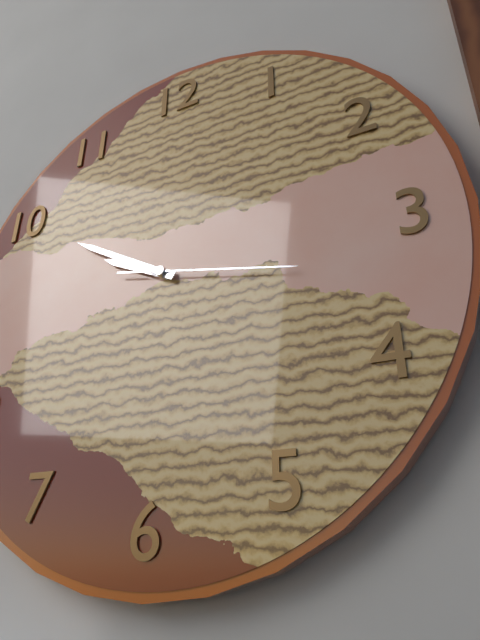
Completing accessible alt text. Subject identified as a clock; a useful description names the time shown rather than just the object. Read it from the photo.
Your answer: 9:50:17
